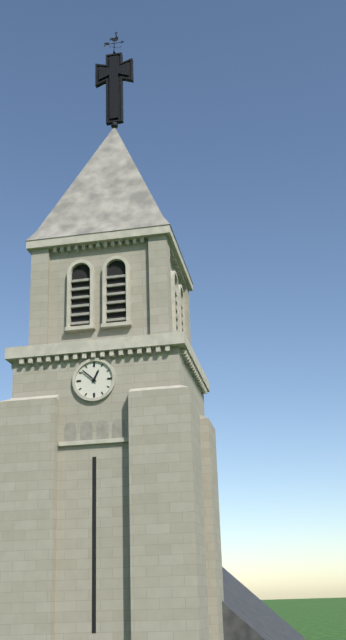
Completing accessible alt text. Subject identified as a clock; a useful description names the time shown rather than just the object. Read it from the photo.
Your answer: 12:52
